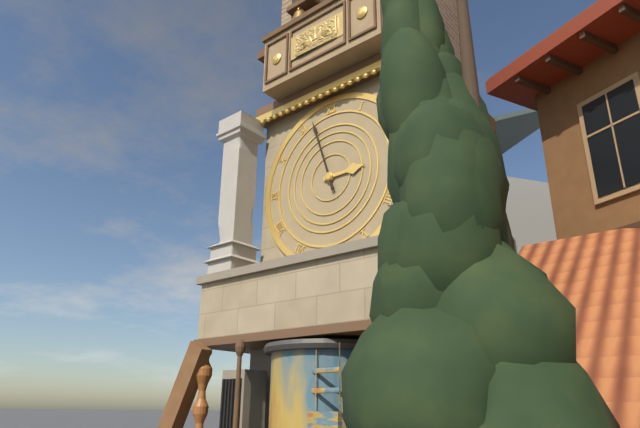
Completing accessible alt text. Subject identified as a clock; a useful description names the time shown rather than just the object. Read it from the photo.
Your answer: 2:57
